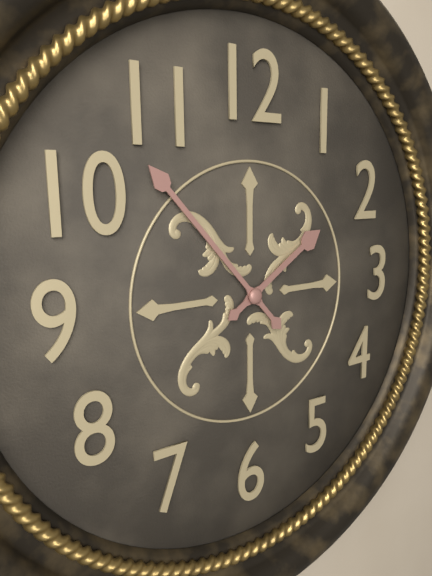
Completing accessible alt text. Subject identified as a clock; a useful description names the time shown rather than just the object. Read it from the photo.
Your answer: 1:53
